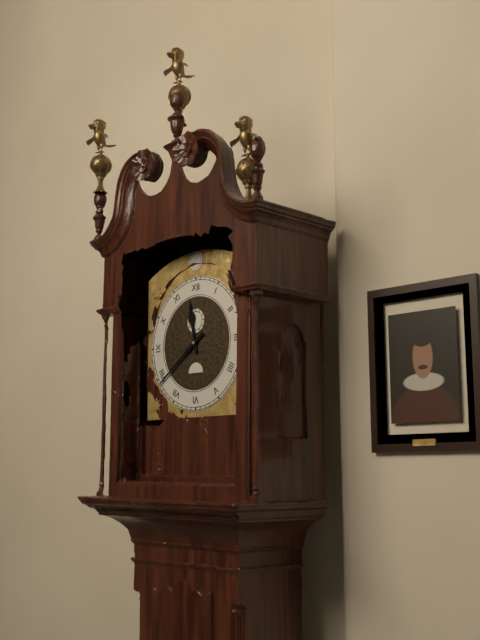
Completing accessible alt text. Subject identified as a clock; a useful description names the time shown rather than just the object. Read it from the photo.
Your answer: 11:39
